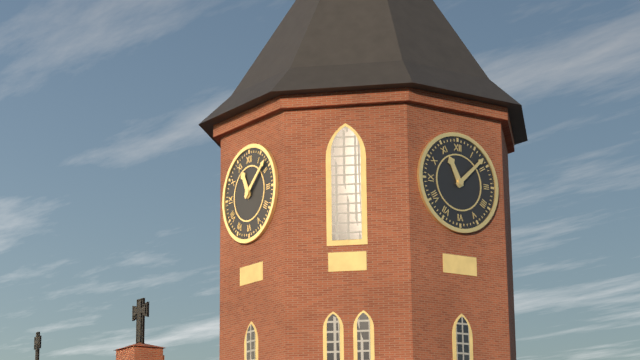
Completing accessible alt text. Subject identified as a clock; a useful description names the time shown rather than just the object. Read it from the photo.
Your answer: 11:08
